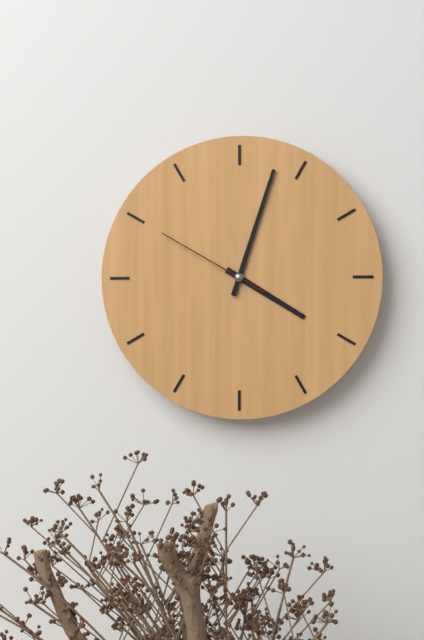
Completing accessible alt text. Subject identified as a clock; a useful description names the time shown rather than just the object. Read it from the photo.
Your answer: 4:03:50
